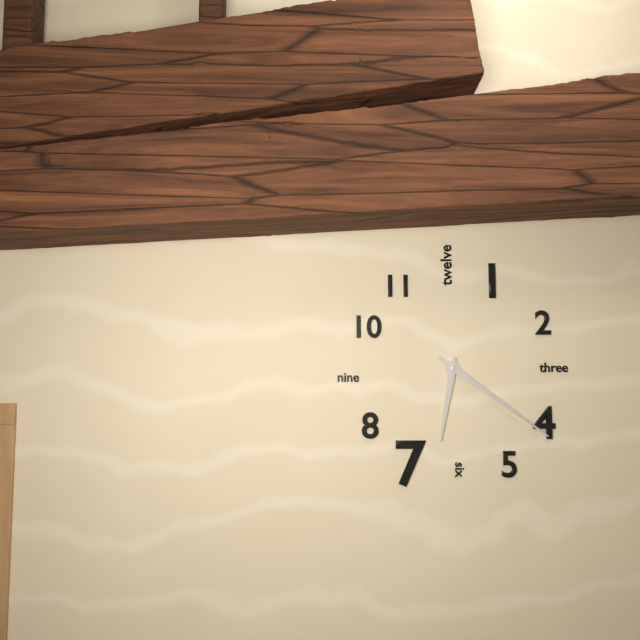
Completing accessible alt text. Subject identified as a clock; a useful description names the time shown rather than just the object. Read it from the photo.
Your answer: 6:21
